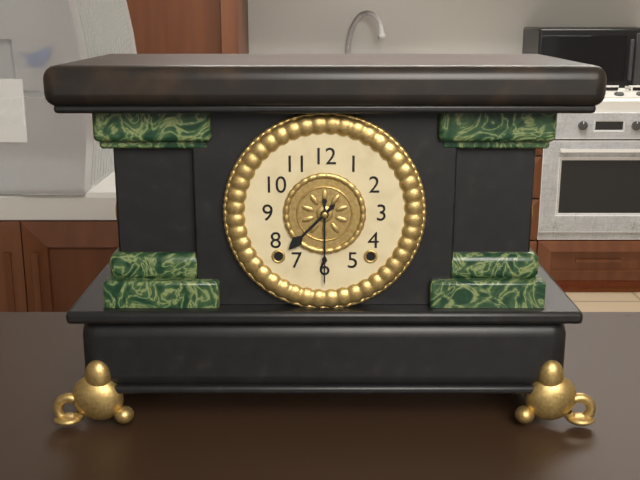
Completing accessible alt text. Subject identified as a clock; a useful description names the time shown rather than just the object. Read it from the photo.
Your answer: 7:30
